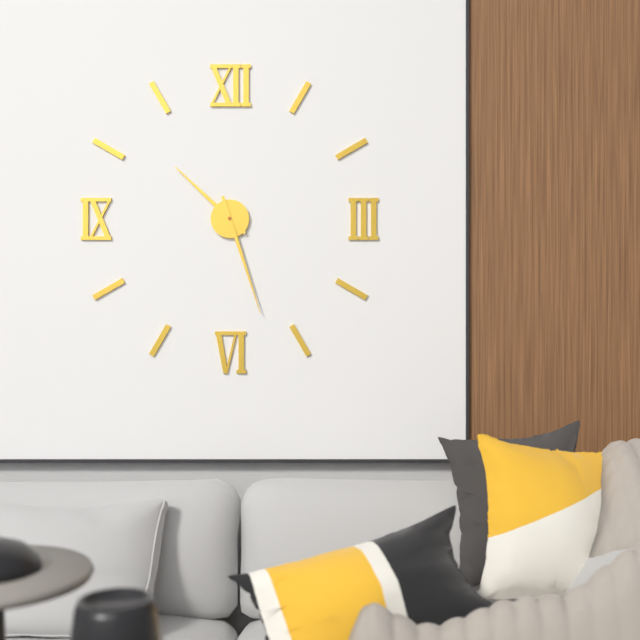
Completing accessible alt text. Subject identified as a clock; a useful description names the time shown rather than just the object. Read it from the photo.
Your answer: 10:27
